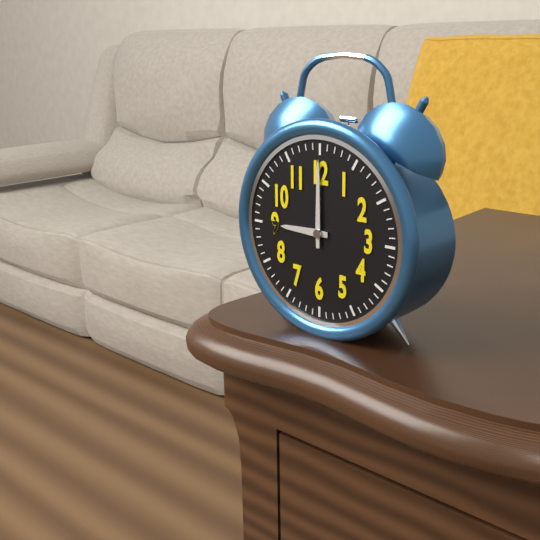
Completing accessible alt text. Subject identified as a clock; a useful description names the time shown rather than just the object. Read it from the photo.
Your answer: 9:00
